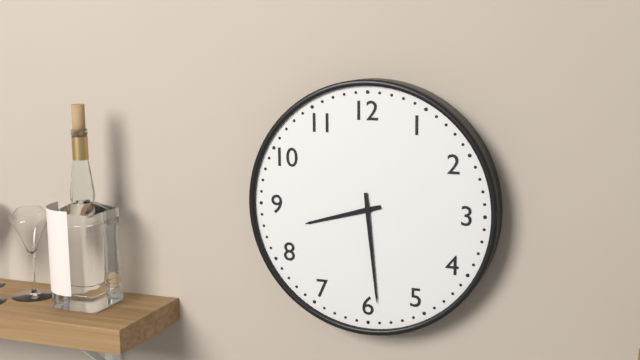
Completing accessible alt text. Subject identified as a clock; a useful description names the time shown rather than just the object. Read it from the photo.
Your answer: 8:29
